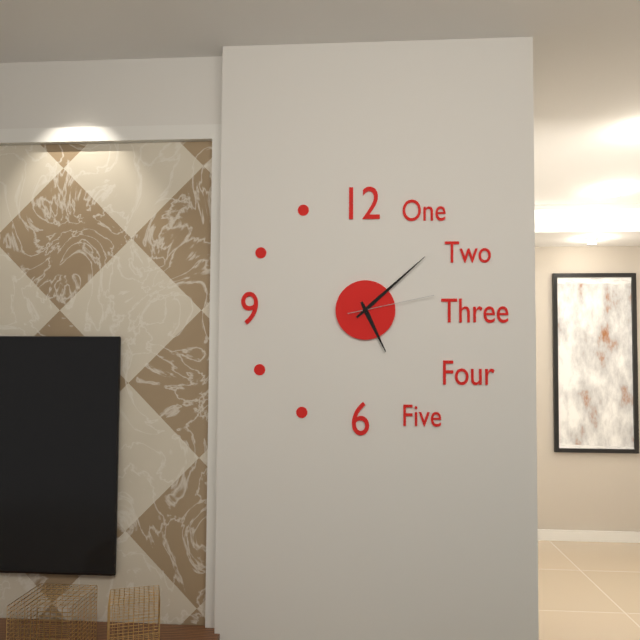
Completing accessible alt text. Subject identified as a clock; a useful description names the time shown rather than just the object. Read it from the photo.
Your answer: 5:08:13
